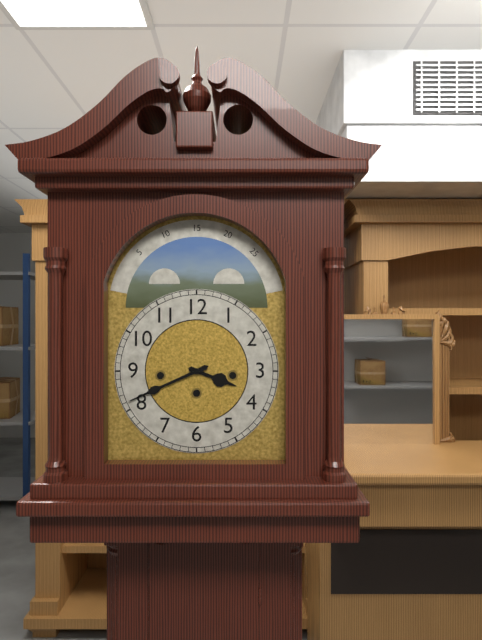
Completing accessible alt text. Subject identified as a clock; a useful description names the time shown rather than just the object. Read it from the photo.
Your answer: 3:41
